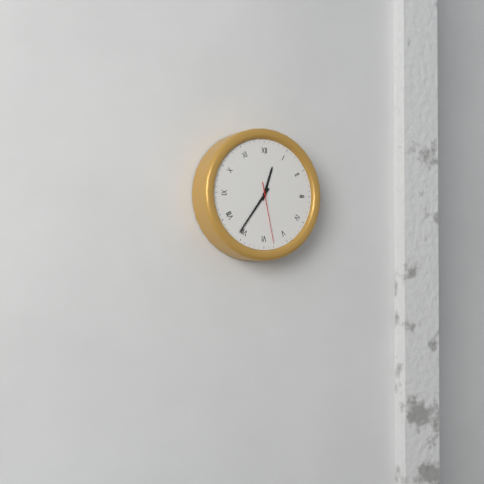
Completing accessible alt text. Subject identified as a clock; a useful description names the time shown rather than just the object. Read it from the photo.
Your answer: 12:36:28
